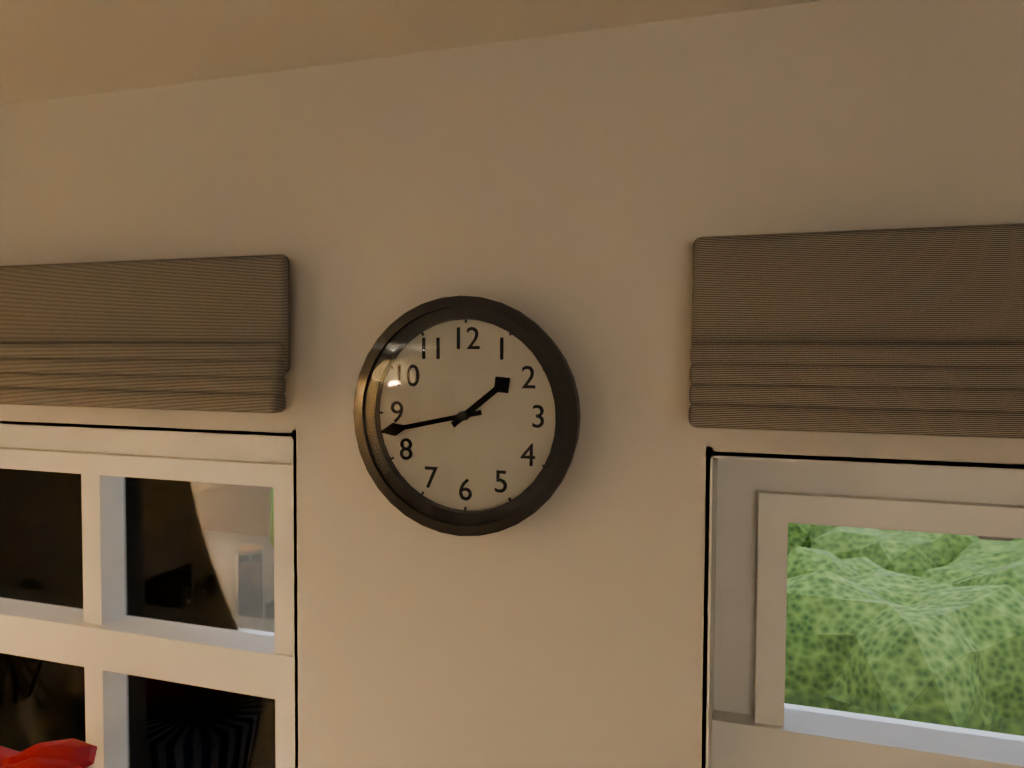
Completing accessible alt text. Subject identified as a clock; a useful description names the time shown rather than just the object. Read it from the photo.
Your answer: 1:43
